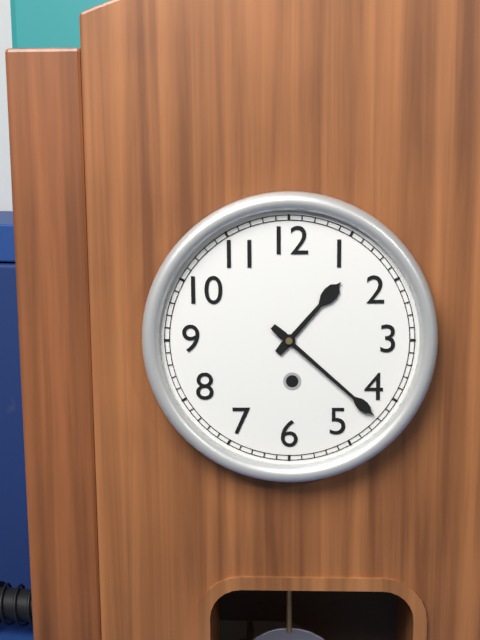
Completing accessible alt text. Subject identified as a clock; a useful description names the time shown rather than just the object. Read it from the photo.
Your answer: 1:22
